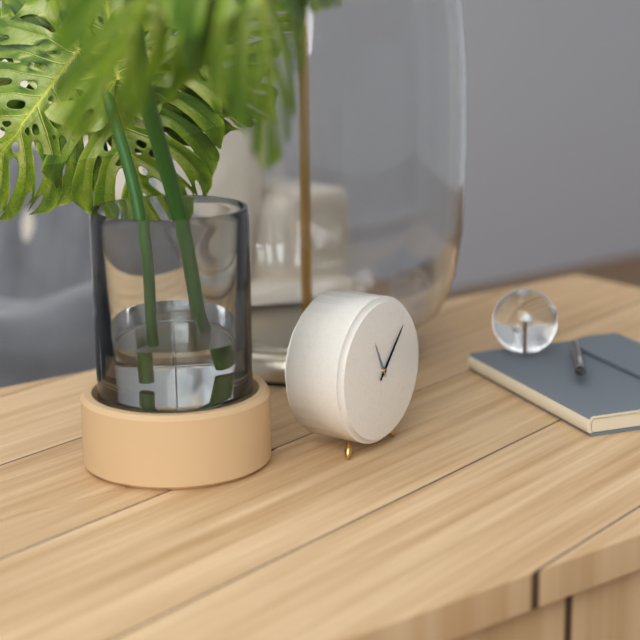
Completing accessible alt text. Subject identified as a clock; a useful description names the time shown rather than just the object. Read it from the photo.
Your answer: 11:07
